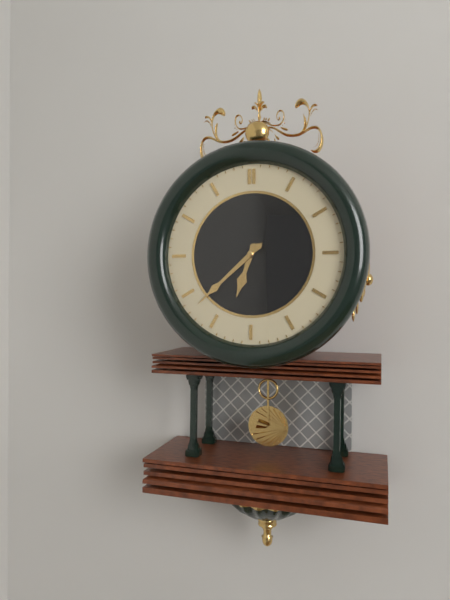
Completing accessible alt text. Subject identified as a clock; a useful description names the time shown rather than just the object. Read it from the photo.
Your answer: 6:38
